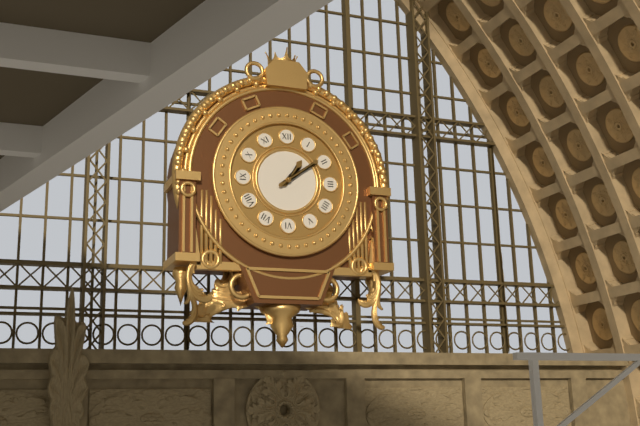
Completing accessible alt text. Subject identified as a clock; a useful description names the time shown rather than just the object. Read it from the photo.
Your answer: 1:09
